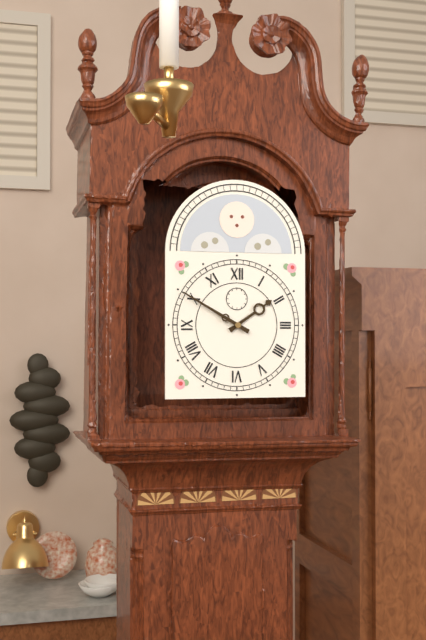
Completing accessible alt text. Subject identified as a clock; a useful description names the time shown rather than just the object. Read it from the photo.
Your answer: 1:50
